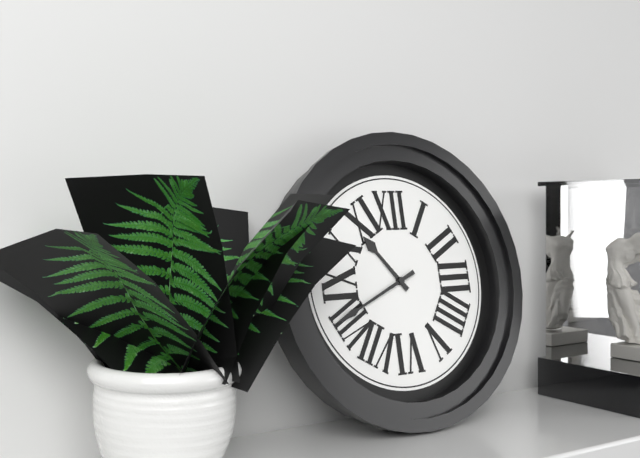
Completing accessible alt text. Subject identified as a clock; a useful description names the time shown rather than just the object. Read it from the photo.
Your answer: 10:41
